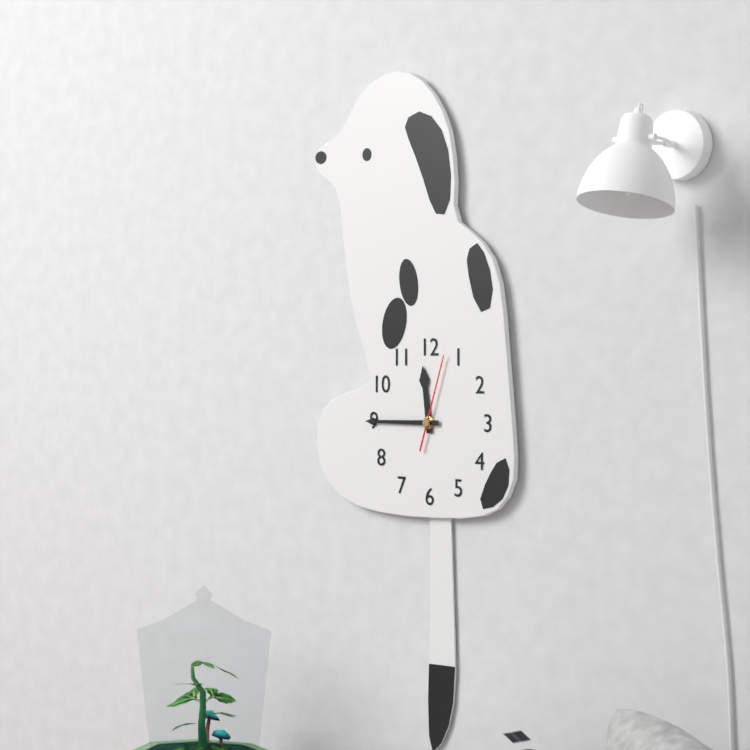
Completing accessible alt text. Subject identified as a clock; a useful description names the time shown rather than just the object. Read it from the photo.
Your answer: 11:45:03
